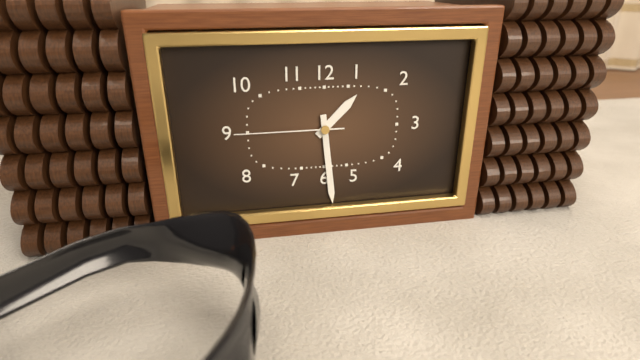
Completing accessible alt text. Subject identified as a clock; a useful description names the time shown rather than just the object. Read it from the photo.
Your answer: 1:29:45
